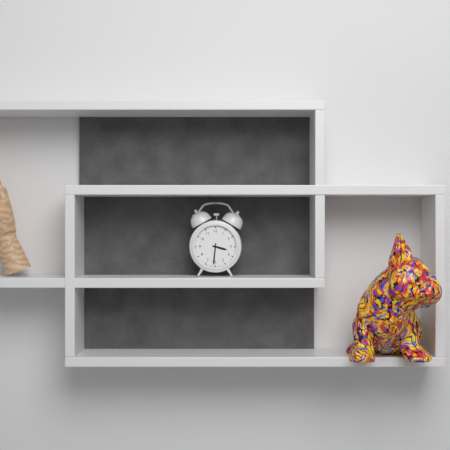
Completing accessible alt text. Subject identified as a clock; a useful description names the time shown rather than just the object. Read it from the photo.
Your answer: 3:31
